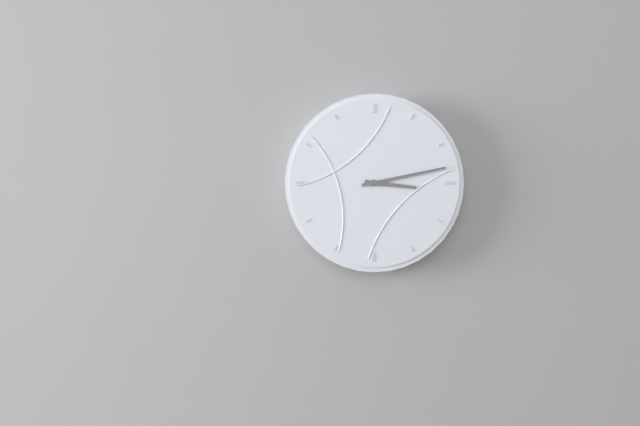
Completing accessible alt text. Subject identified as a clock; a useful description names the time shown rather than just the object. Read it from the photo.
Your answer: 3:13
